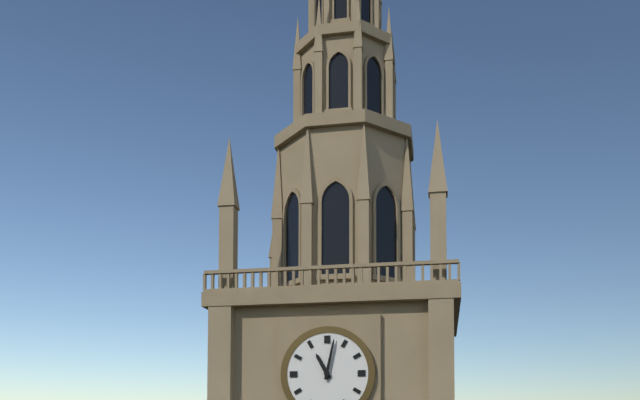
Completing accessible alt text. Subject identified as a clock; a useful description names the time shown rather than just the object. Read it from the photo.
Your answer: 11:02
